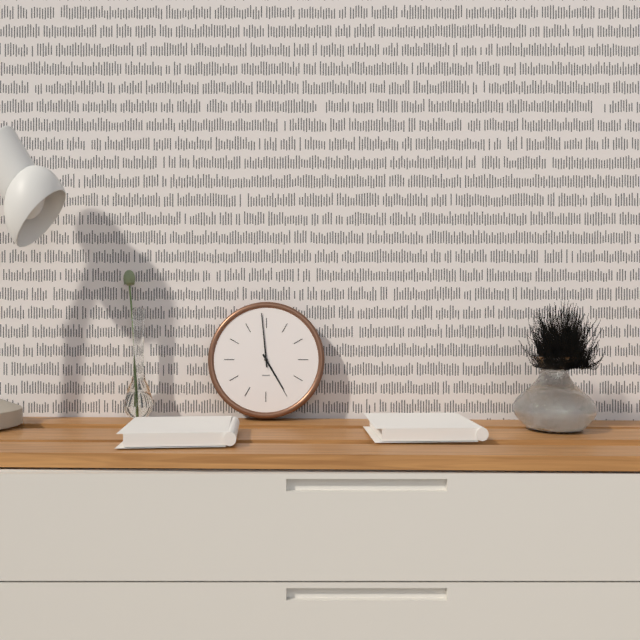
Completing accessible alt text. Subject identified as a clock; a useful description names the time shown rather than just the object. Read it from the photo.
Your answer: 4:59
